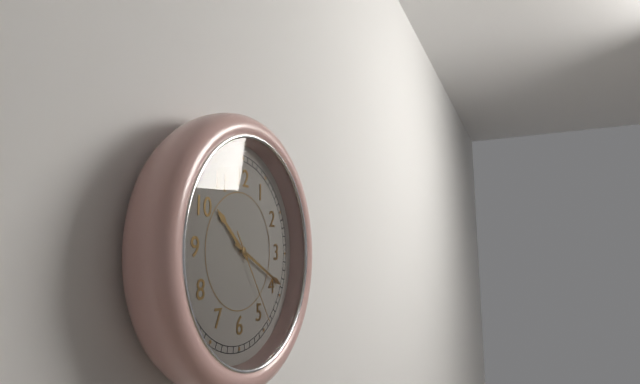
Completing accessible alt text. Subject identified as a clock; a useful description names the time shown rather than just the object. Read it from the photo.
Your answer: 10:19:24
